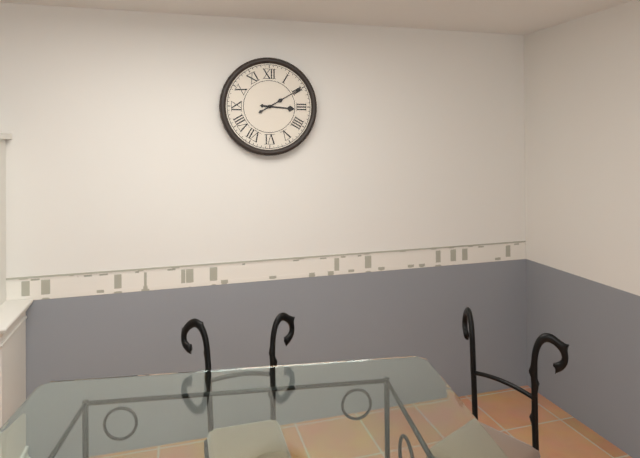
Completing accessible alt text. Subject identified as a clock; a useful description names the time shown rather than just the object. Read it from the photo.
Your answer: 3:10
